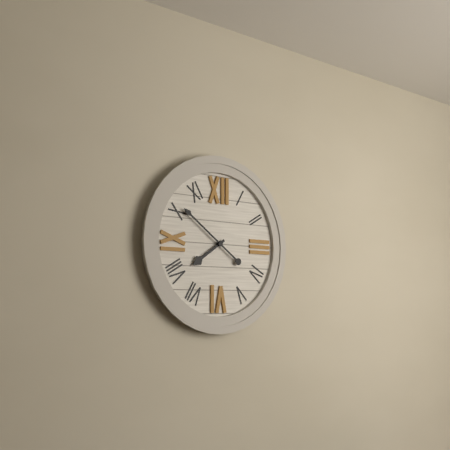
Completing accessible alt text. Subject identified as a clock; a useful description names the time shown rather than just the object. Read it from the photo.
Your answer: 7:51
